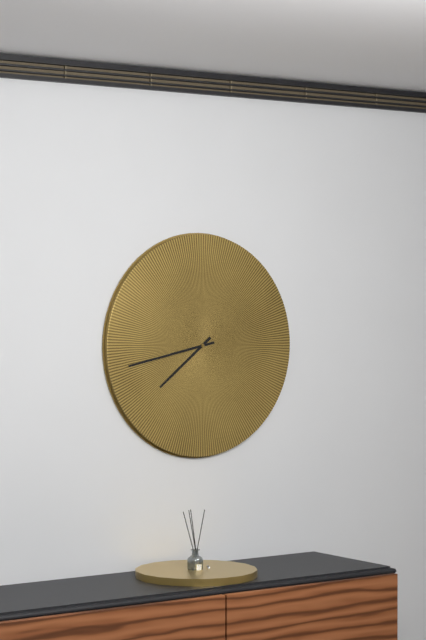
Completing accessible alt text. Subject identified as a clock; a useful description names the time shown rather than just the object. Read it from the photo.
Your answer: 7:43
